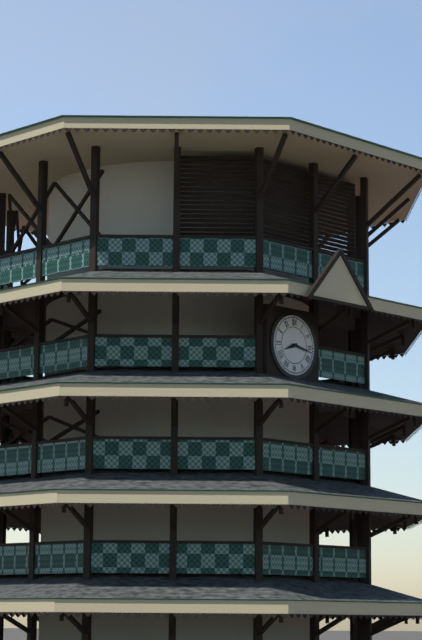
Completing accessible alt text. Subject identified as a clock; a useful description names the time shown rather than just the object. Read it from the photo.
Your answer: 8:17
